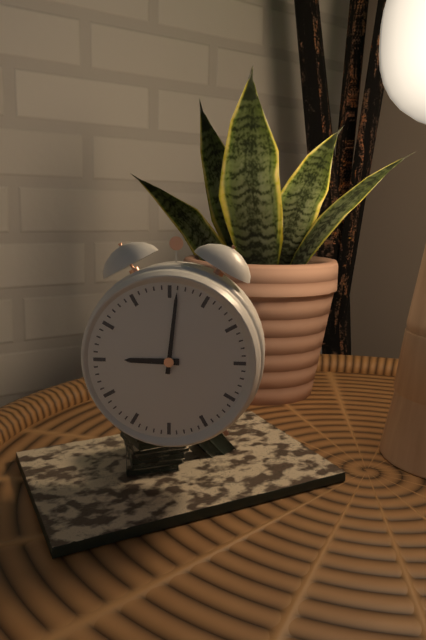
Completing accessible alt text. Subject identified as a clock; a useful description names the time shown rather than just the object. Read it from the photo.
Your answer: 9:01
